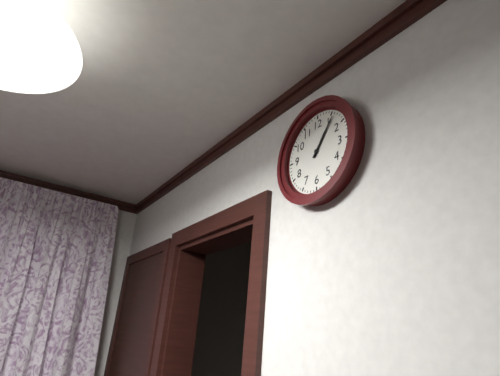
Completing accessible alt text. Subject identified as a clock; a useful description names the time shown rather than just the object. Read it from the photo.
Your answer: 1:06
